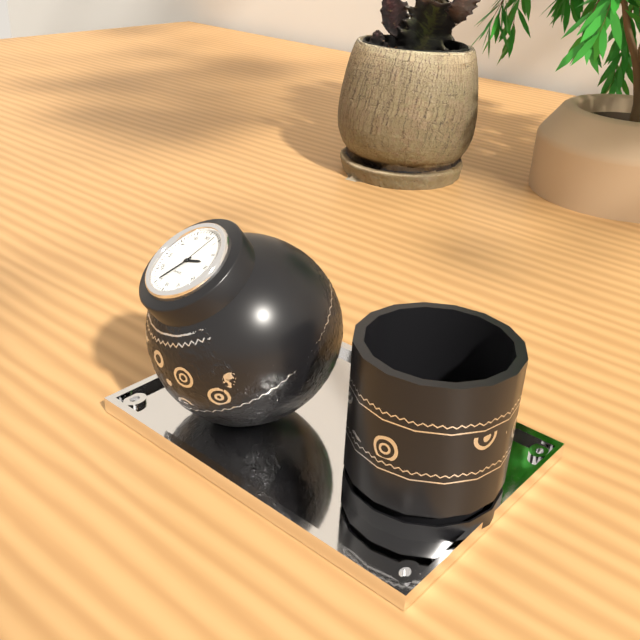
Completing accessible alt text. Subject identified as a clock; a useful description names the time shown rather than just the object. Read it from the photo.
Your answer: 2:35:03
